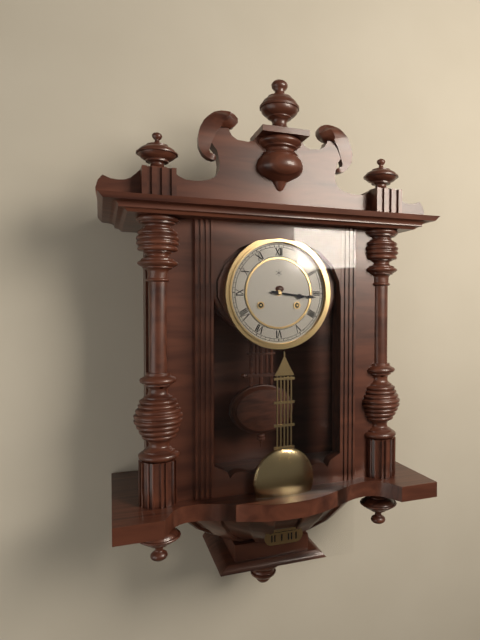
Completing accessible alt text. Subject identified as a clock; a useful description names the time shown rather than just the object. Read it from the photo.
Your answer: 3:16
